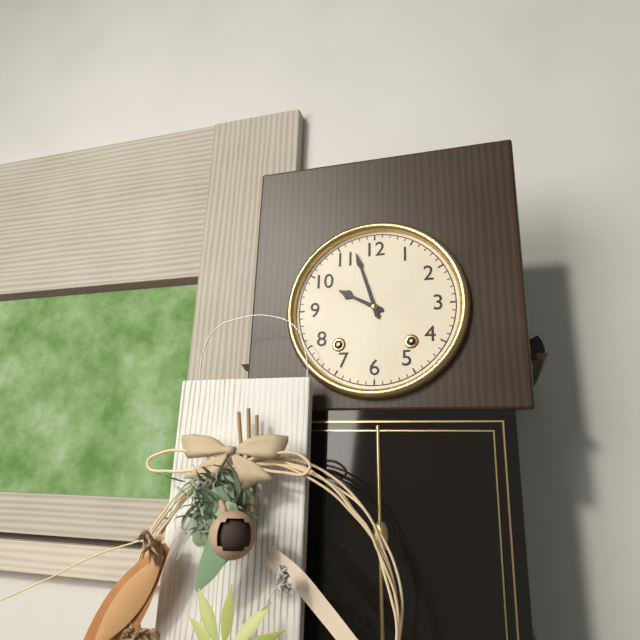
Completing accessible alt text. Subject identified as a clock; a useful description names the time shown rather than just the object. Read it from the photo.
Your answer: 9:57
